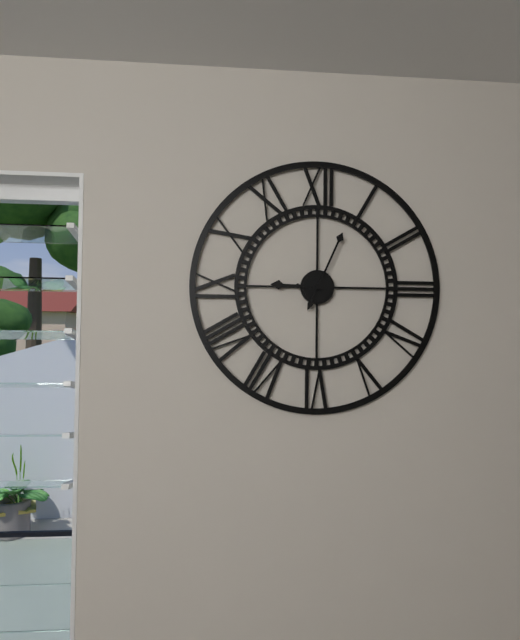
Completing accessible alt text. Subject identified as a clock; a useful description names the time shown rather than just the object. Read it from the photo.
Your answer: 9:04
